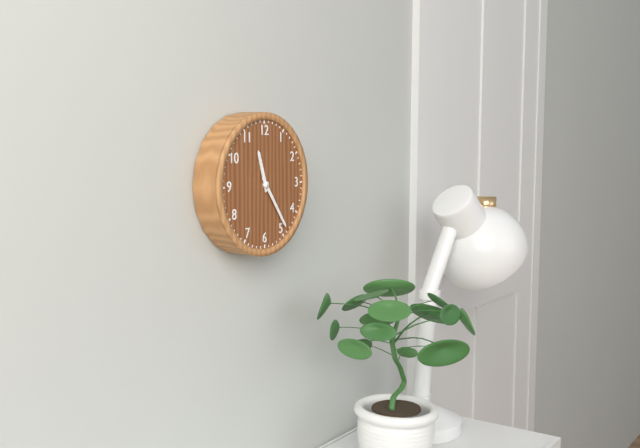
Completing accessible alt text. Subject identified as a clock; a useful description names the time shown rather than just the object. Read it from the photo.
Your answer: 11:24
